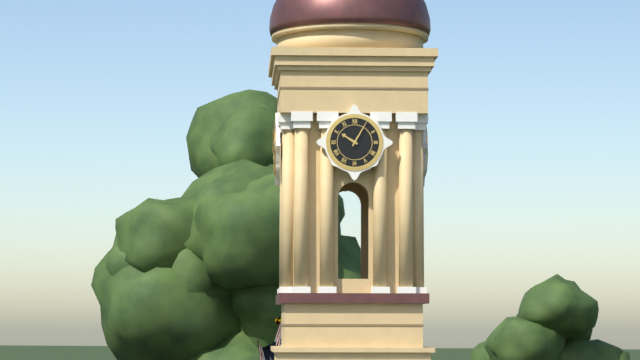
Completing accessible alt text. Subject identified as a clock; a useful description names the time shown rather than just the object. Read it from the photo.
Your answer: 10:05
